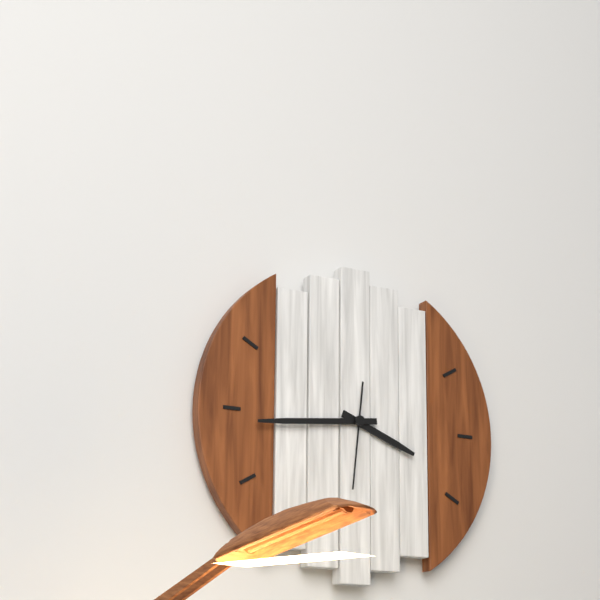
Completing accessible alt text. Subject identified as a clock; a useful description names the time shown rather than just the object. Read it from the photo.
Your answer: 3:44:31
